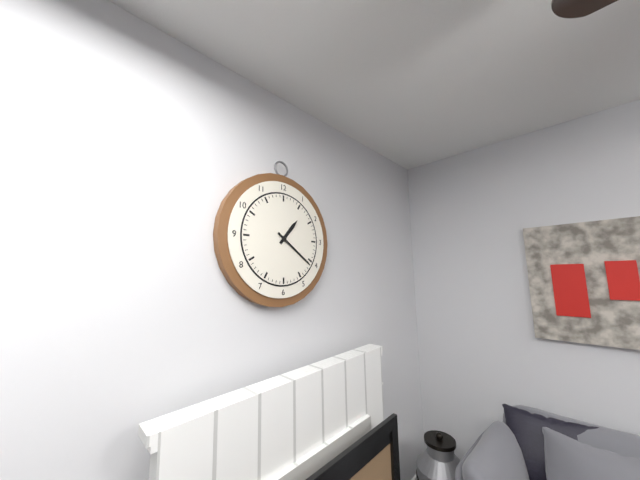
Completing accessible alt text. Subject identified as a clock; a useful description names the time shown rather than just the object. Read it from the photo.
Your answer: 1:21
